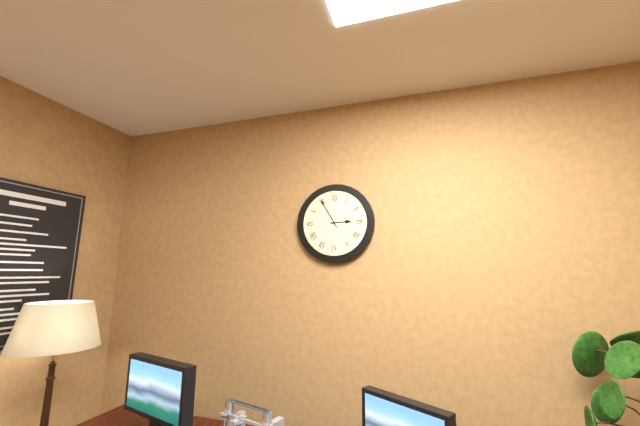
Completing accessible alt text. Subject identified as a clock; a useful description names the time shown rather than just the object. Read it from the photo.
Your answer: 2:55
